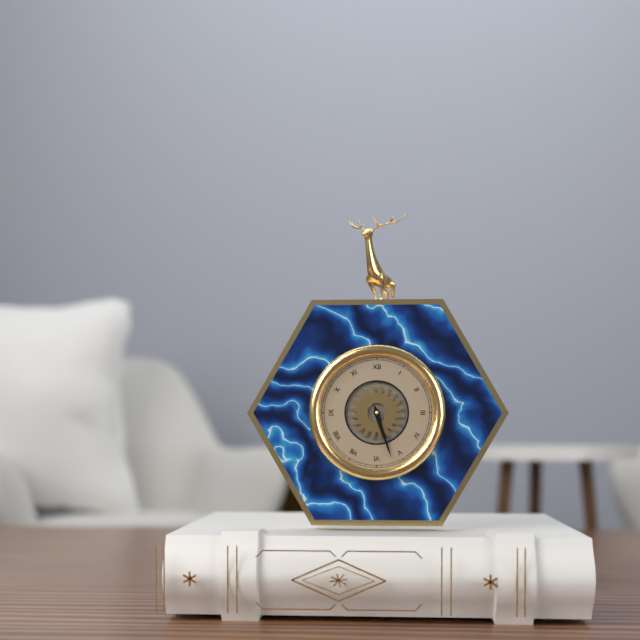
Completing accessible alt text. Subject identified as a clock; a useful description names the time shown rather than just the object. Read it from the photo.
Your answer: 5:27
